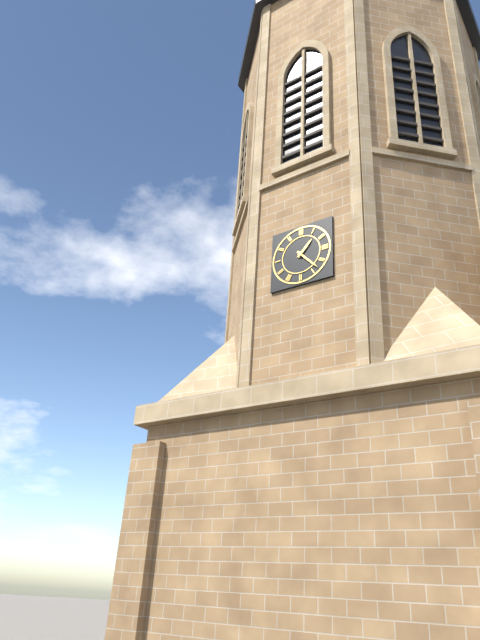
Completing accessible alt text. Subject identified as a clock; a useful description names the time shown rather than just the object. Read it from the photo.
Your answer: 1:23
